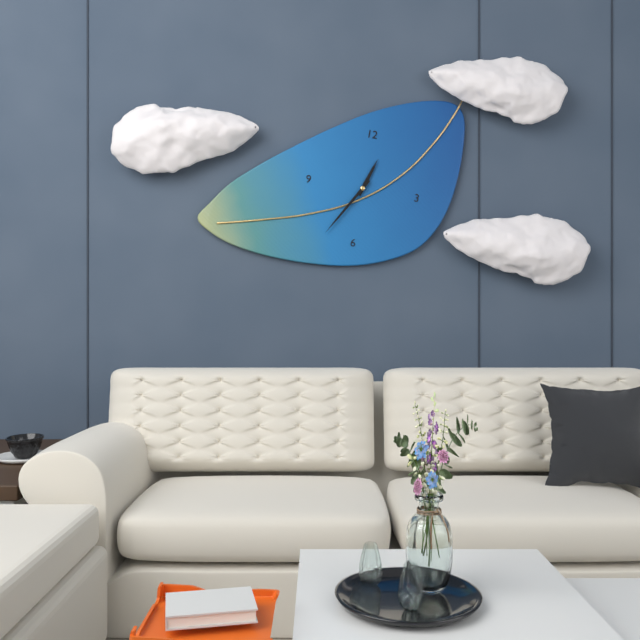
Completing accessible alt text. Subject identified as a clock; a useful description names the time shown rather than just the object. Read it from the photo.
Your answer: 12:35
